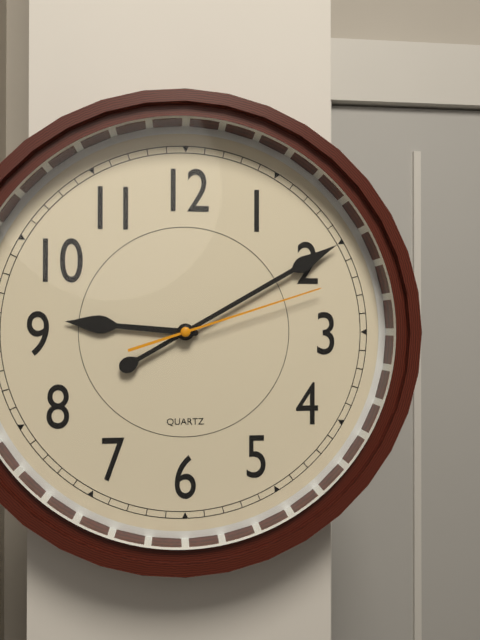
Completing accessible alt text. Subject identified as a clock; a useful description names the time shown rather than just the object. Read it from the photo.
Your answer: 9:10:12
